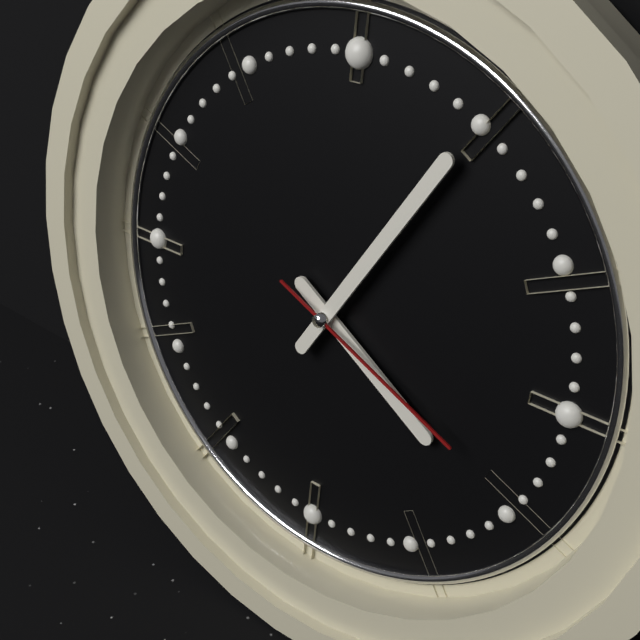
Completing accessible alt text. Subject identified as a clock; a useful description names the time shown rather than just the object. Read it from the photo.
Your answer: 4:05:19
